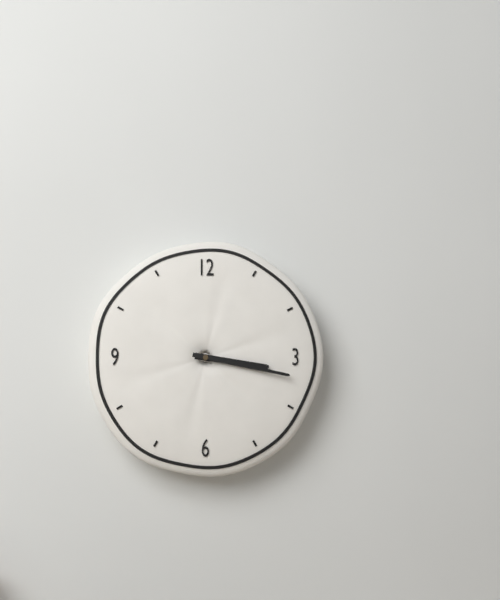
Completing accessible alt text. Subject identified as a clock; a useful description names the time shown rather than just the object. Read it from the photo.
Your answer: 3:17
